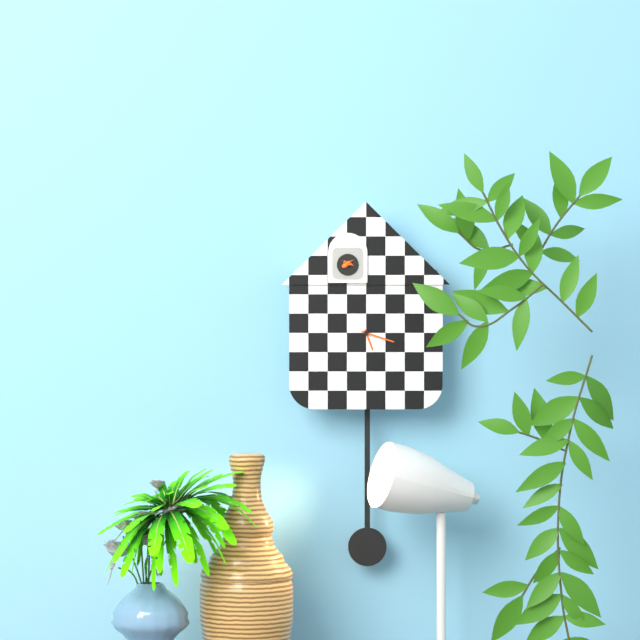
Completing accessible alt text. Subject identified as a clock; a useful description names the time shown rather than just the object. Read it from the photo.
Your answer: 5:18
